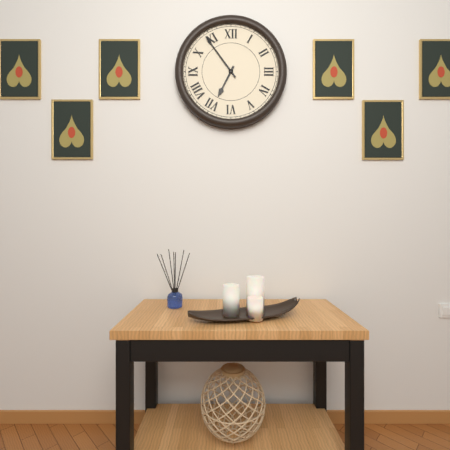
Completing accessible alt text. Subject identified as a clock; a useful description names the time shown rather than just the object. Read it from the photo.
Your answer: 6:54
